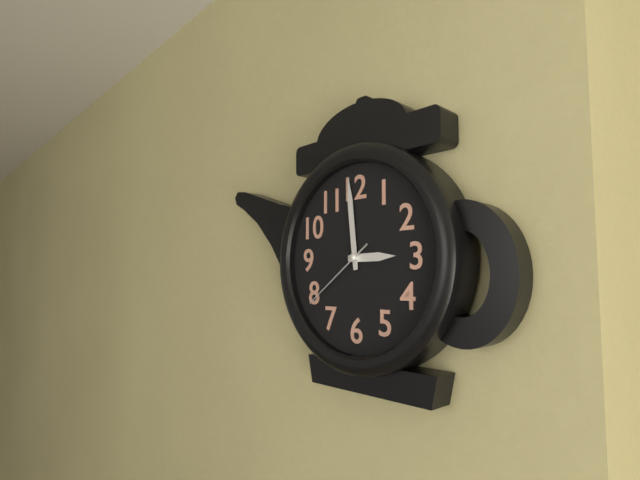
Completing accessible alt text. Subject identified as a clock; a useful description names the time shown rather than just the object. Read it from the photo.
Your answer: 2:59:39
